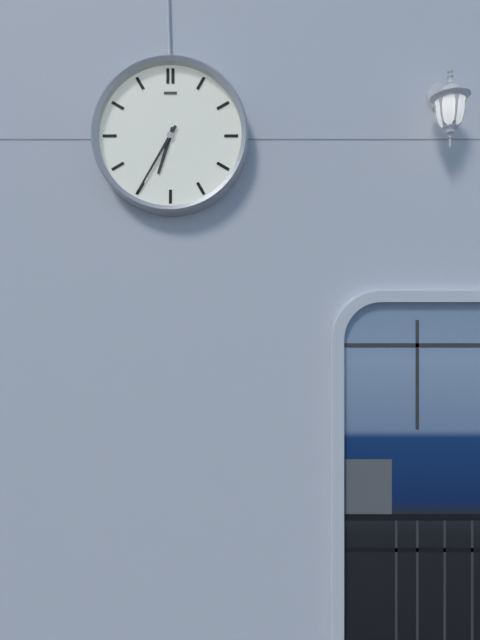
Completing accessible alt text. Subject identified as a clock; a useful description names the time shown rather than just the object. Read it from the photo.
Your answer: 6:35
